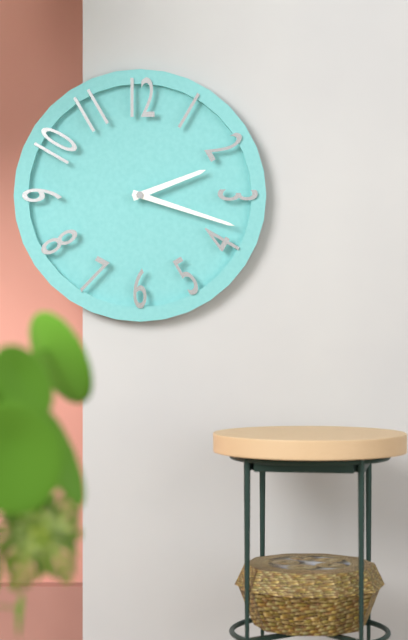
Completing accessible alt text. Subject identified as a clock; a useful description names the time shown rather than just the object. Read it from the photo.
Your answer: 2:18
